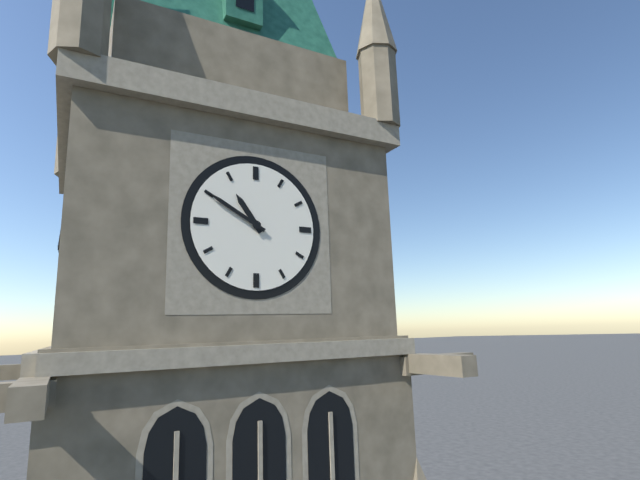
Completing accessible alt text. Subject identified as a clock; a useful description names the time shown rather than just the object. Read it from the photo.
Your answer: 10:50
